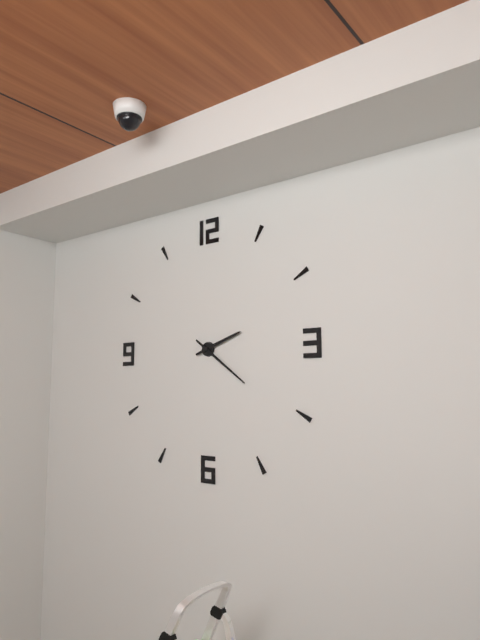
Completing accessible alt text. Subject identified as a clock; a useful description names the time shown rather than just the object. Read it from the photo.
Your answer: 2:21
